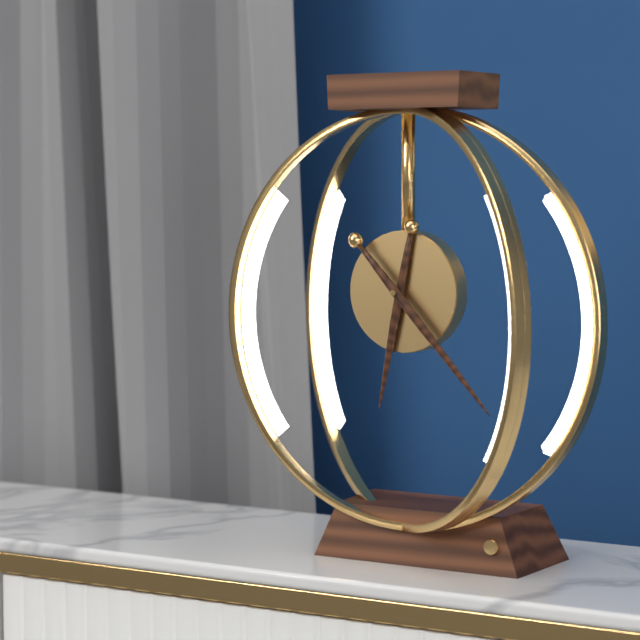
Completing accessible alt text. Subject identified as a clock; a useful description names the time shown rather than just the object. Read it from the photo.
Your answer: 6:23
